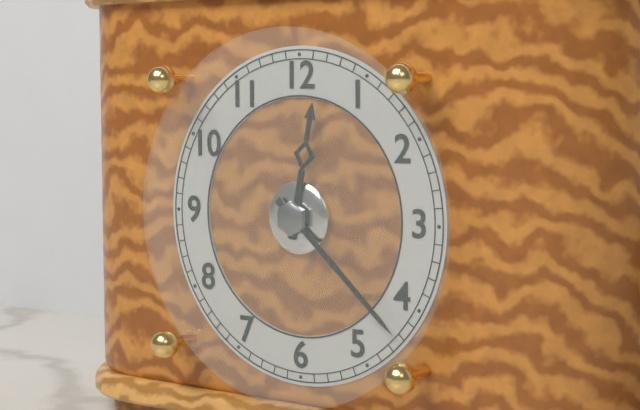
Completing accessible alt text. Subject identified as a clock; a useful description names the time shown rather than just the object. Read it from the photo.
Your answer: 12:22
